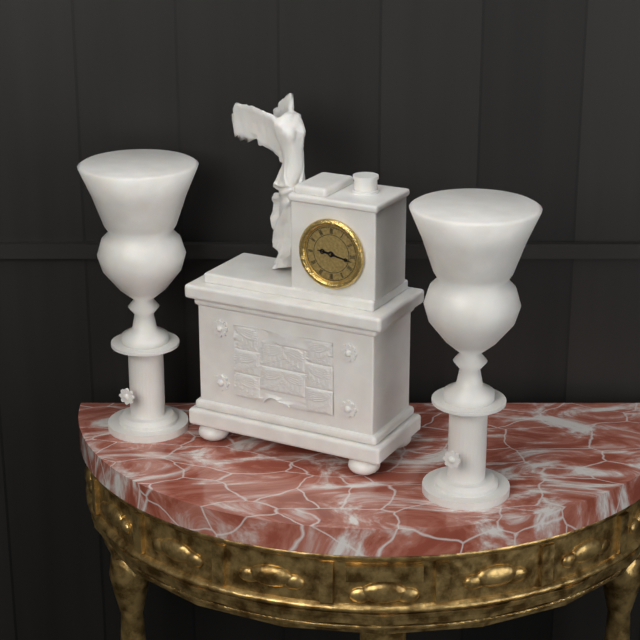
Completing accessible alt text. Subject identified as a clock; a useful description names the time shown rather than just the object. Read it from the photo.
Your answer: 9:17
